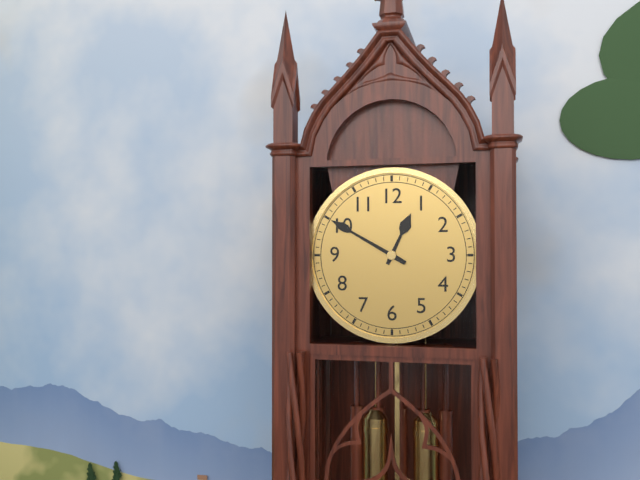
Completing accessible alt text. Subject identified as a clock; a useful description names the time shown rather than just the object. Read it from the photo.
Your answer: 12:50
